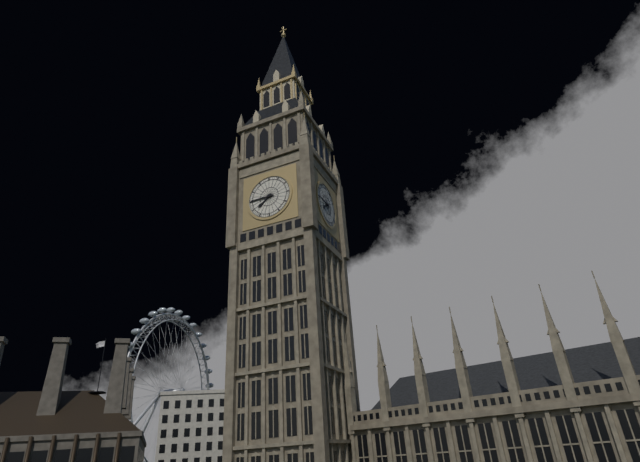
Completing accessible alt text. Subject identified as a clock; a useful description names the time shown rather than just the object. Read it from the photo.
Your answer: 7:45
